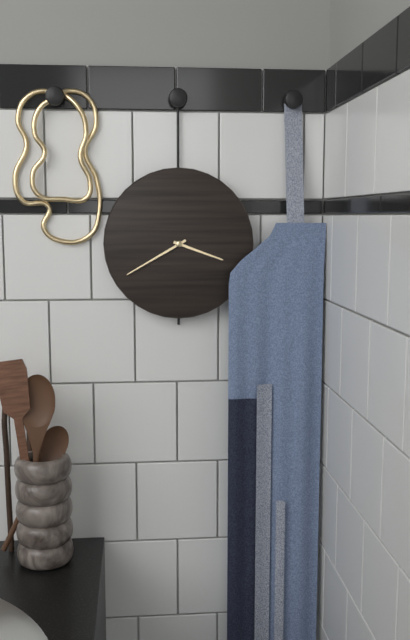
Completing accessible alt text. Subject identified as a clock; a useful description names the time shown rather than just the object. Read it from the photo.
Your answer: 3:40
